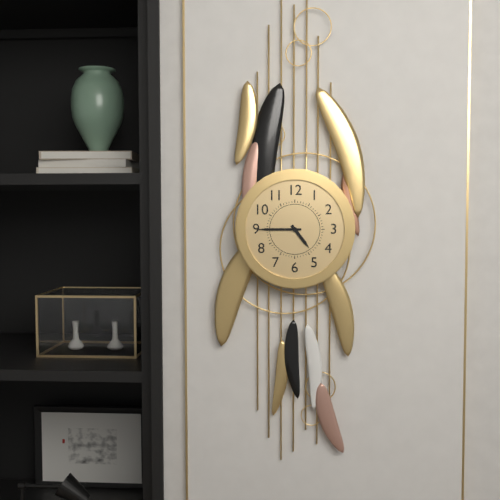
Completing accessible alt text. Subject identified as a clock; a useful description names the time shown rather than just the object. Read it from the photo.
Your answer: 4:45
